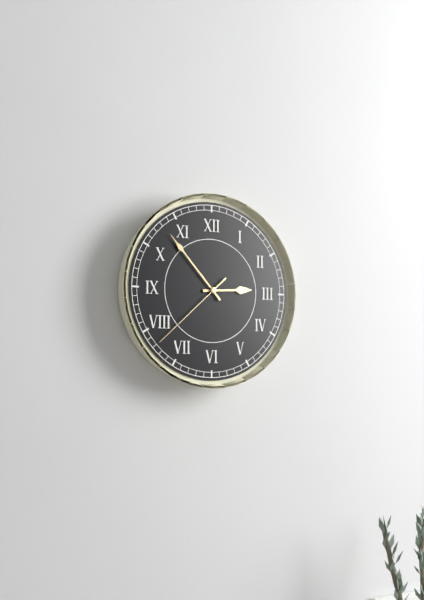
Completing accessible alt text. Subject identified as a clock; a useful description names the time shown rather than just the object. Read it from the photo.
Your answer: 2:53:38
